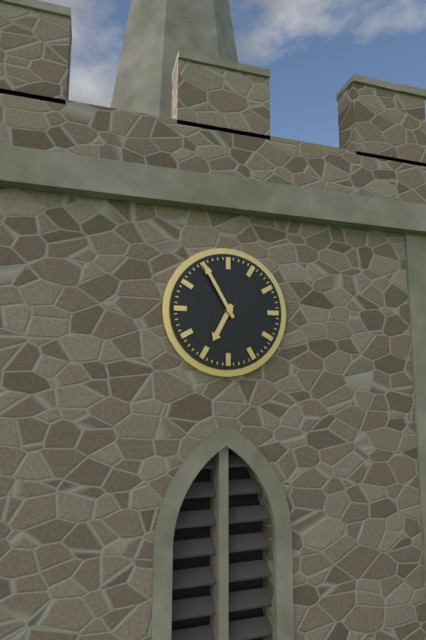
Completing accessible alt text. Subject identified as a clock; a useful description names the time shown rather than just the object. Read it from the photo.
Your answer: 6:55
